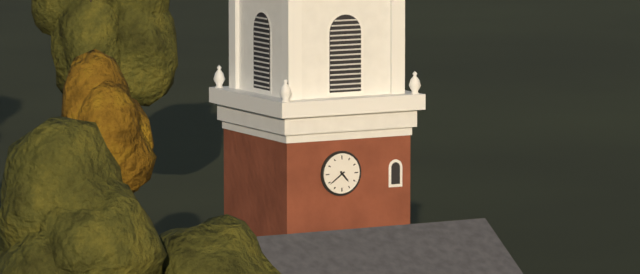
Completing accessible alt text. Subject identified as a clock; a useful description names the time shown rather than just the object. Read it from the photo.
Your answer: 4:39
